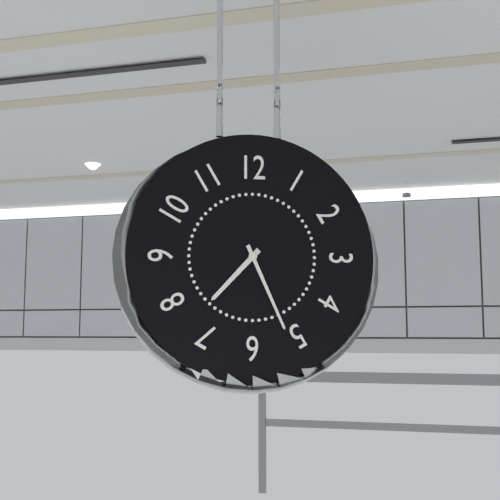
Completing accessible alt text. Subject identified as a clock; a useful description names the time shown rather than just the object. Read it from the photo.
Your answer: 7:26
